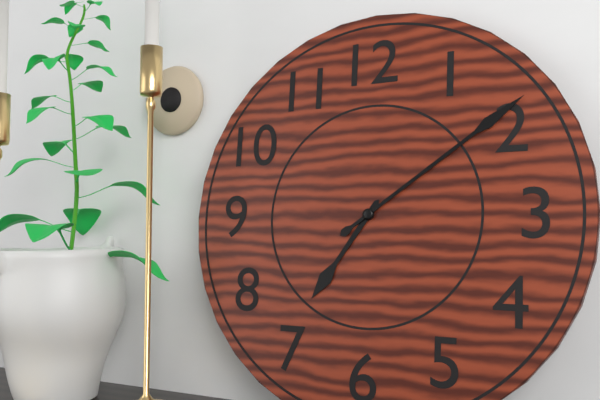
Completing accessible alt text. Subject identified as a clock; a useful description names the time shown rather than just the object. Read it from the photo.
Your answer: 7:09
